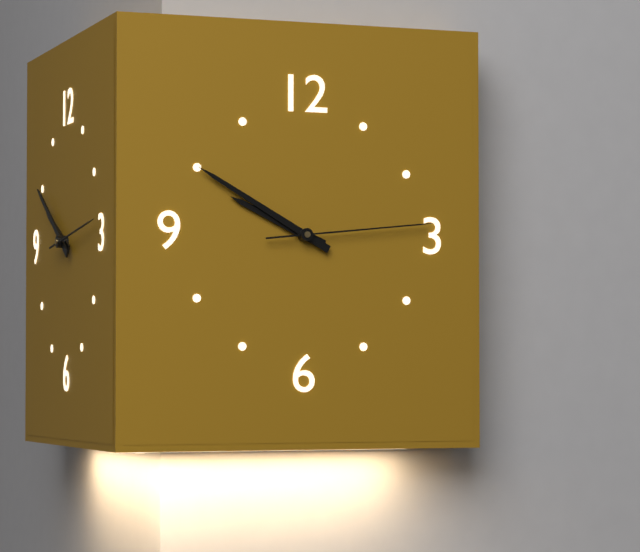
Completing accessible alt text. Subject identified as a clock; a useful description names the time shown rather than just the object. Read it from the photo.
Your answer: 9:50:14
